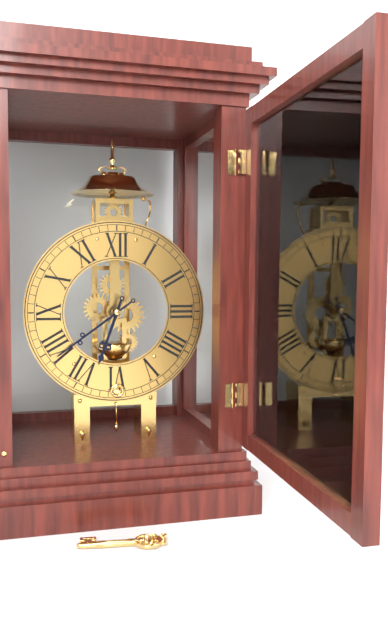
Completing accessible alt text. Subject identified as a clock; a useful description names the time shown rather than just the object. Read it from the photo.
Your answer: 6:39
